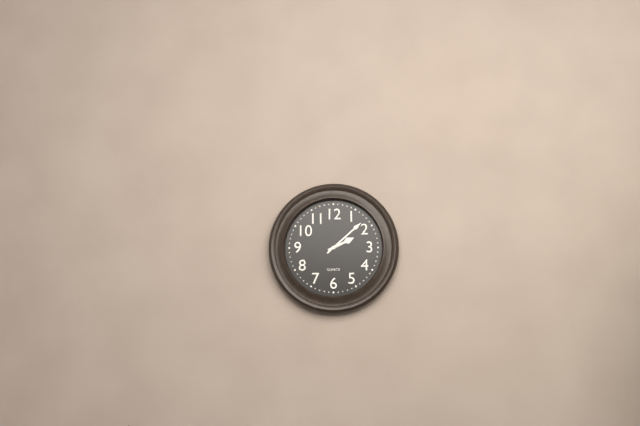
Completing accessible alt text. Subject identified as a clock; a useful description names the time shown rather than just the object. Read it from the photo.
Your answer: 2:08
